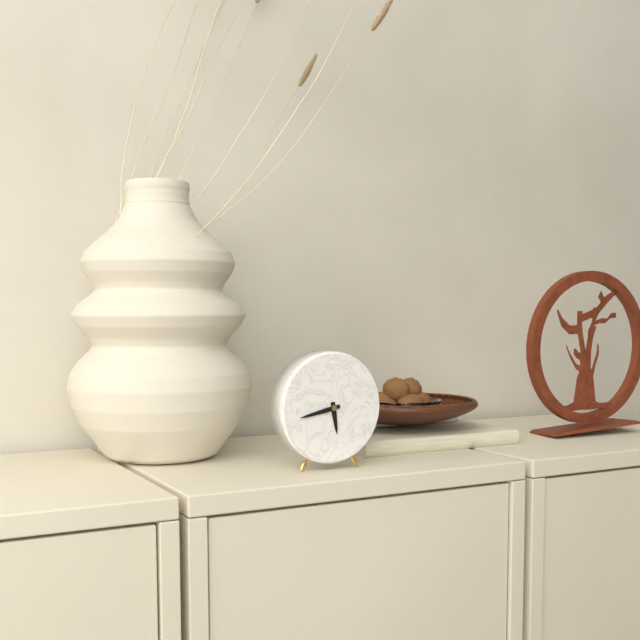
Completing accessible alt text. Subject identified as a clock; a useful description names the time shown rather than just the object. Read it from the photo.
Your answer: 5:43
